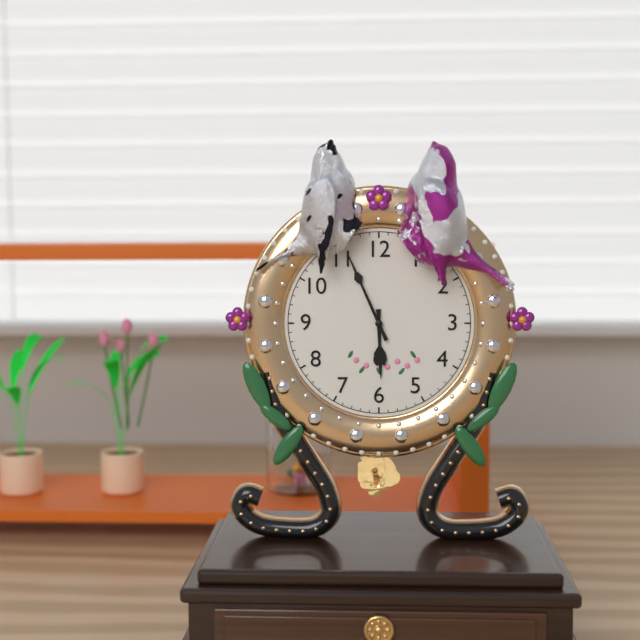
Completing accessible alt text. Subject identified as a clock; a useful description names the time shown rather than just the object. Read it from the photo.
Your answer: 5:56
